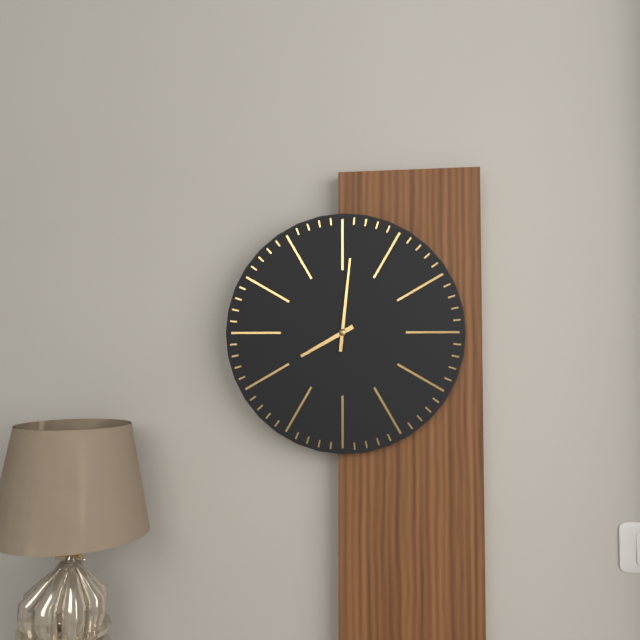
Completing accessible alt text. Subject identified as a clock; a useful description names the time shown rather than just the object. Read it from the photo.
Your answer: 8:01
